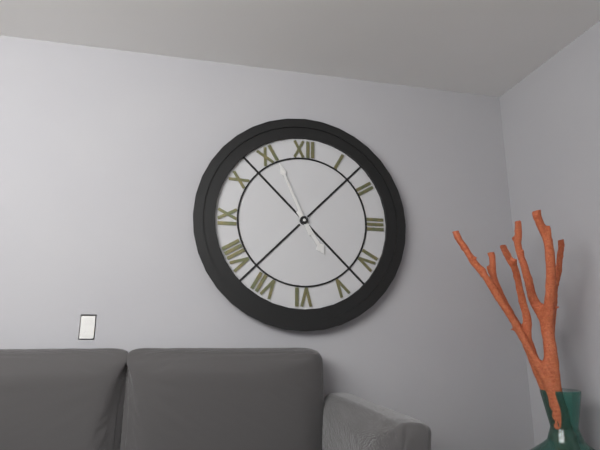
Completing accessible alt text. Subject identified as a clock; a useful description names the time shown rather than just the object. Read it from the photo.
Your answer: 4:56
